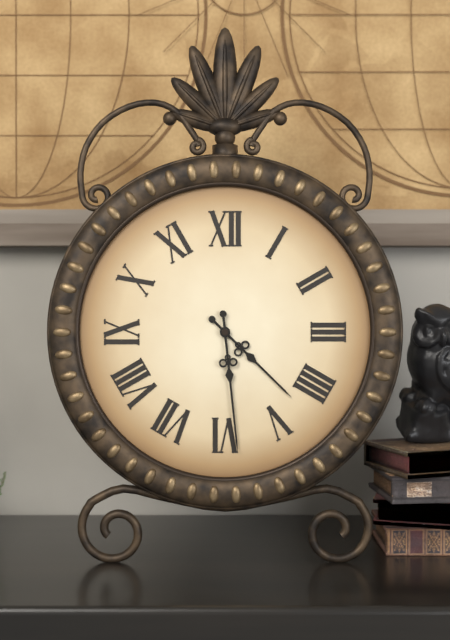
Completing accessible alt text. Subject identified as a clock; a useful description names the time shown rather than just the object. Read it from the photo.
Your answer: 4:29
